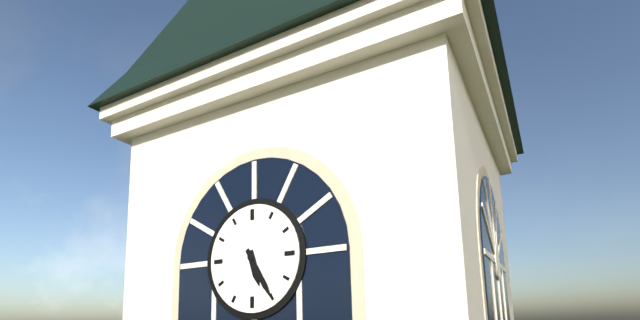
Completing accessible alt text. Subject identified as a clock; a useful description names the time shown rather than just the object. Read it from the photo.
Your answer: 5:25
